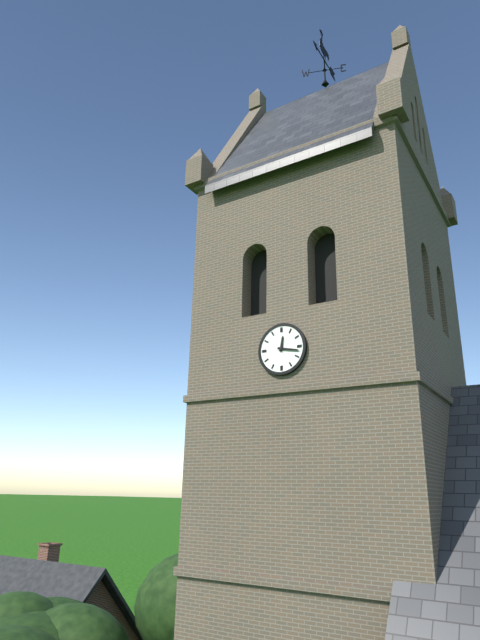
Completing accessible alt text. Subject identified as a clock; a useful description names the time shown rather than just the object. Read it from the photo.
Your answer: 12:17
